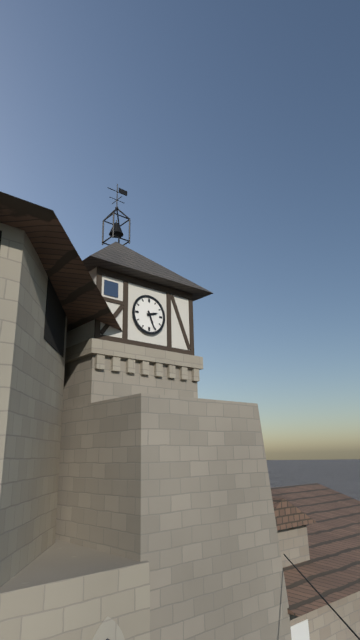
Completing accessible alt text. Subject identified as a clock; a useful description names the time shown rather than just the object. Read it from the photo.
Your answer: 2:26
